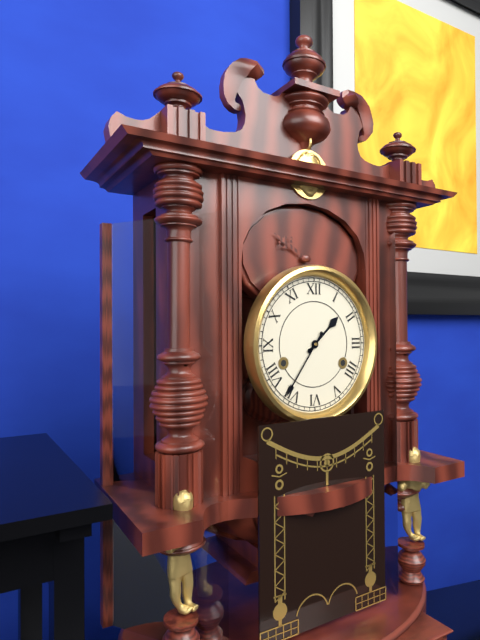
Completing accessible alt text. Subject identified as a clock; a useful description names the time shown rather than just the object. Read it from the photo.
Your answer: 1:36
